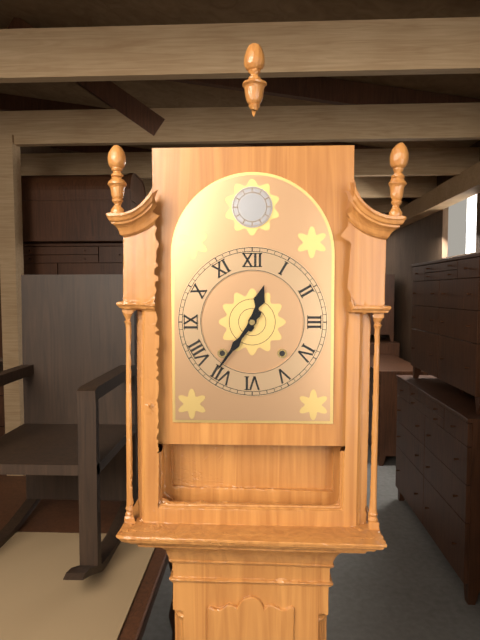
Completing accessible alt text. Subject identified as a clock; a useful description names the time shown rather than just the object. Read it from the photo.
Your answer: 12:36
